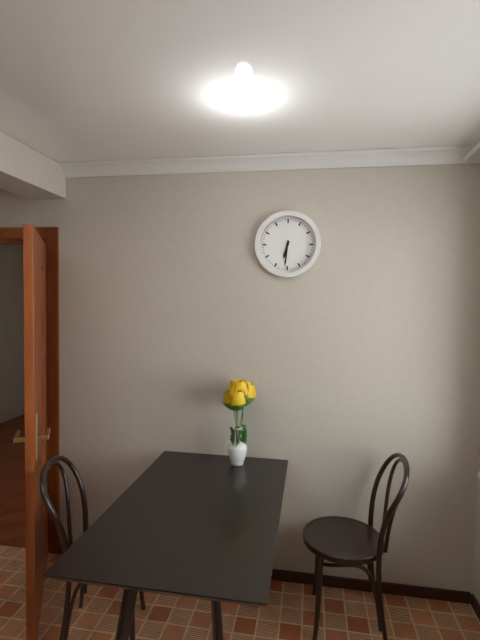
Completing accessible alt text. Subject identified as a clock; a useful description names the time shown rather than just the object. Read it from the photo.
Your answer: 6:31
